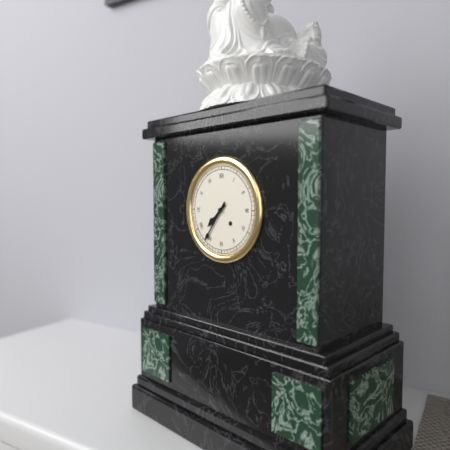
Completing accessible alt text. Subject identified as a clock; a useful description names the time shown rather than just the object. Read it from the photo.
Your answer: 7:36
